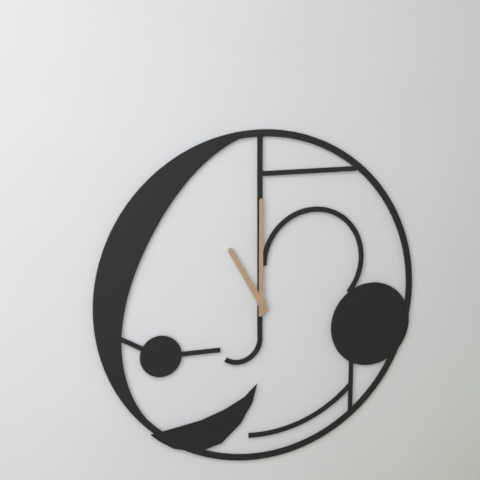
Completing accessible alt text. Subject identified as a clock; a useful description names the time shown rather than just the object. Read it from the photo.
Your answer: 11:00
